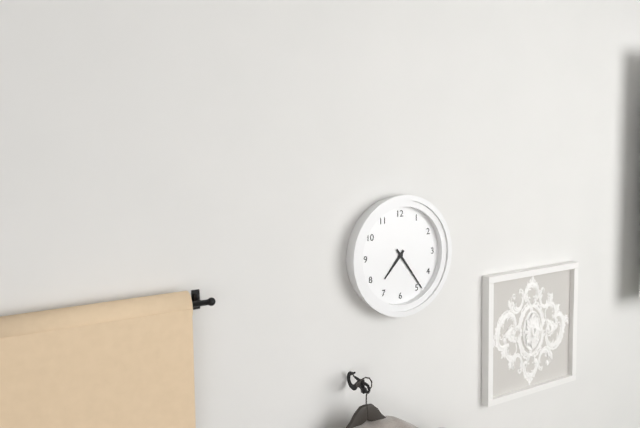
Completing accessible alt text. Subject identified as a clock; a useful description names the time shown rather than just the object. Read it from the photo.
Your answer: 7:24
